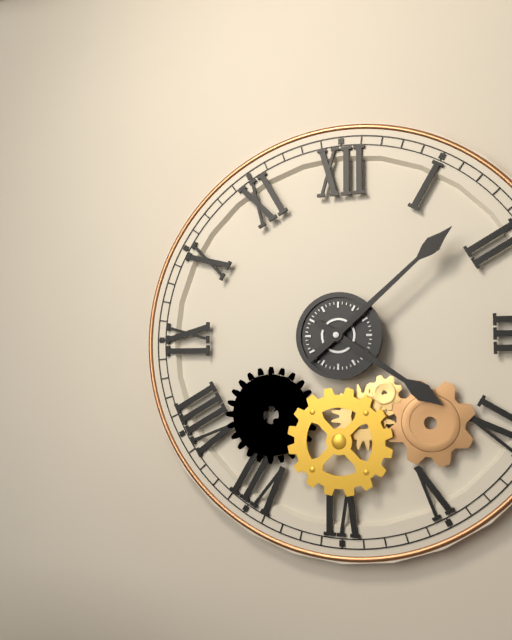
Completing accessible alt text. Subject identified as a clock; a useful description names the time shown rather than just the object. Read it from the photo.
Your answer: 4:08
